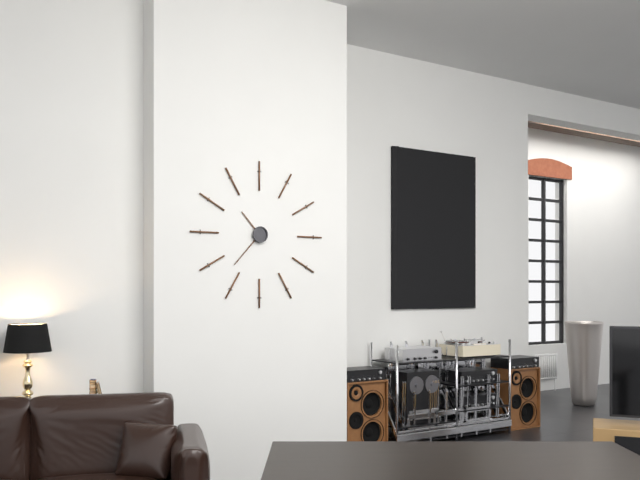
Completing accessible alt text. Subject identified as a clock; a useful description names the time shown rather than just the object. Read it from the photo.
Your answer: 10:37
